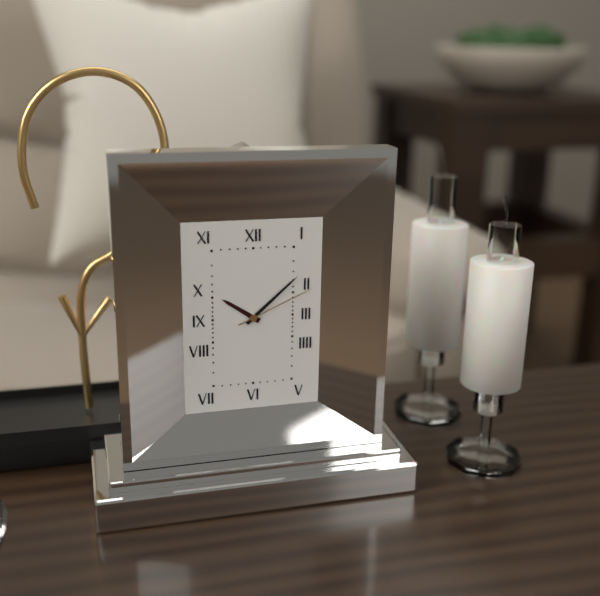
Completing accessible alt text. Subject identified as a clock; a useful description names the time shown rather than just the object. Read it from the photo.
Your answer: 10:08:11
